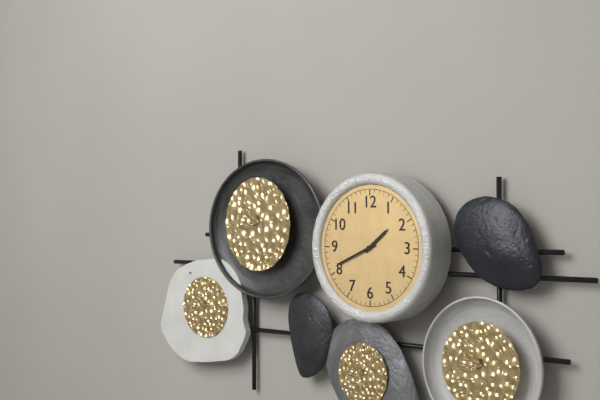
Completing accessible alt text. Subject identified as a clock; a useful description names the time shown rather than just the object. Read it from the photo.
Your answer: 1:41
